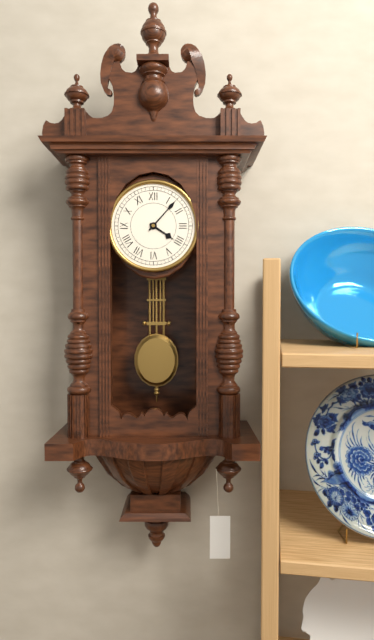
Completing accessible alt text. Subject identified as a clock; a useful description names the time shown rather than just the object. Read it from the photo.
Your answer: 4:07
